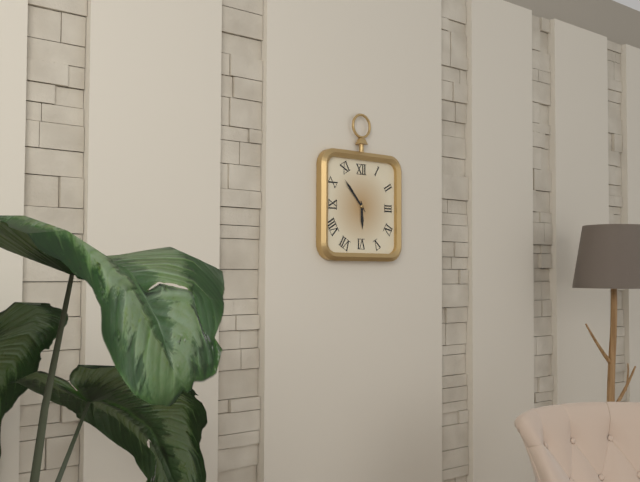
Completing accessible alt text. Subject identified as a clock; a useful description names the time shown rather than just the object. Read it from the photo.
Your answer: 5:53
